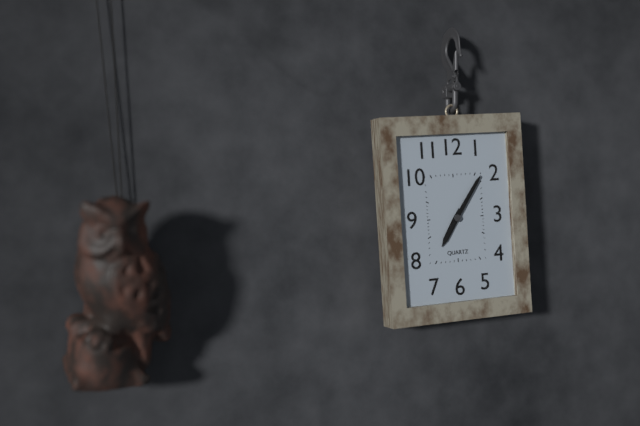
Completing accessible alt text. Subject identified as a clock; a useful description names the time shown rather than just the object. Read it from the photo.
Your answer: 7:06:06
